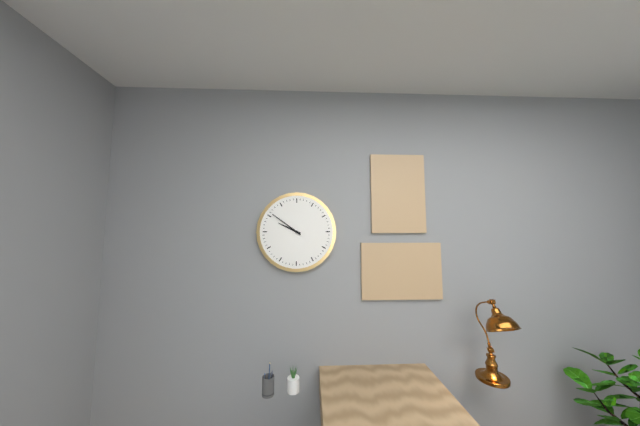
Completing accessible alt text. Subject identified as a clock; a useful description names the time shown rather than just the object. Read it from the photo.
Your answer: 9:51
